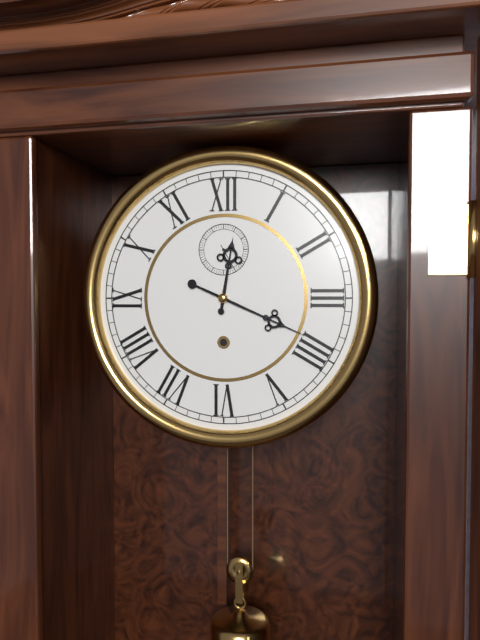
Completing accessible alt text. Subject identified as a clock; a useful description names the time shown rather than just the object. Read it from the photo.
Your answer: 12:19
